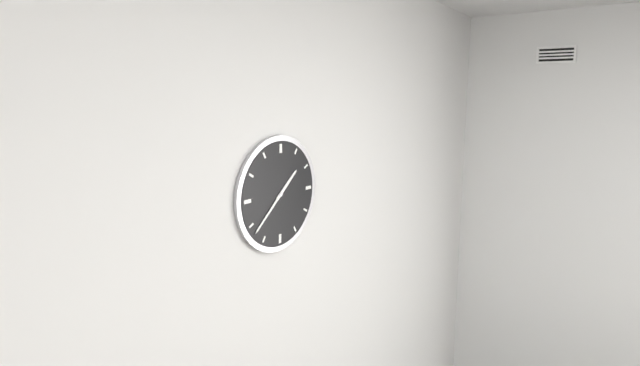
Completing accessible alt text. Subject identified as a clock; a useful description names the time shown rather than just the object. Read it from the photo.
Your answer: 1:38
